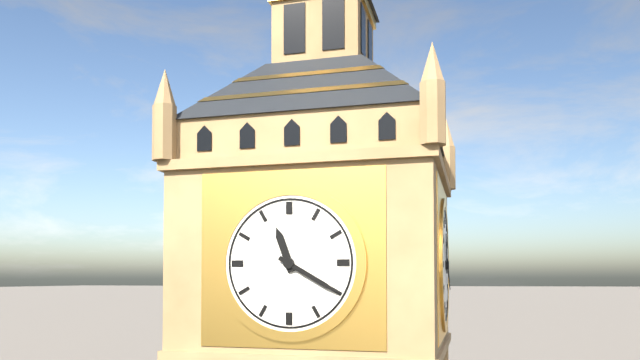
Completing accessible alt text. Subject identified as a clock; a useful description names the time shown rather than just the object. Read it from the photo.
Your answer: 11:20
